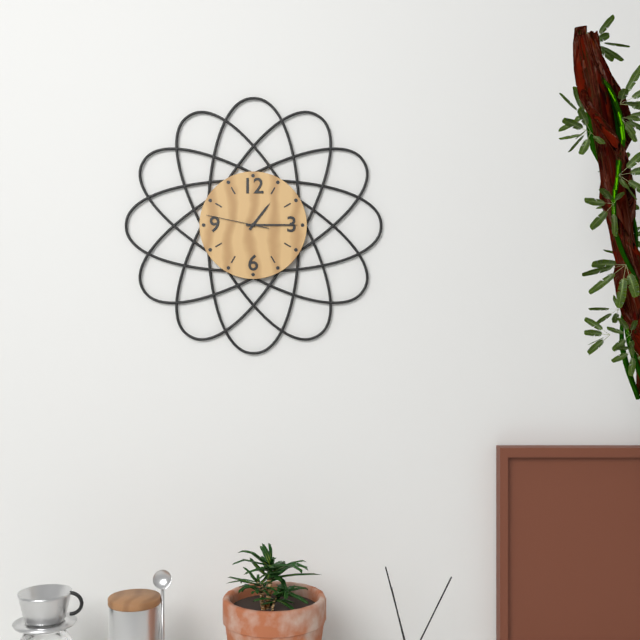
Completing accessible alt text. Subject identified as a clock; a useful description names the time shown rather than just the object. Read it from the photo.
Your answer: 1:15:47
